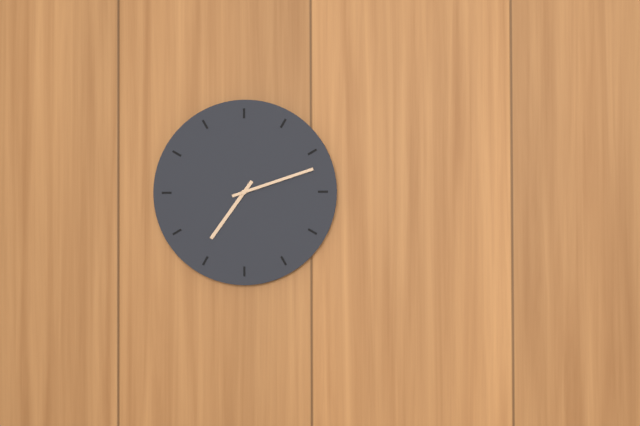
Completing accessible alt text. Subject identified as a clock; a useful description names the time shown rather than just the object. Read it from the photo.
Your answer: 7:12
